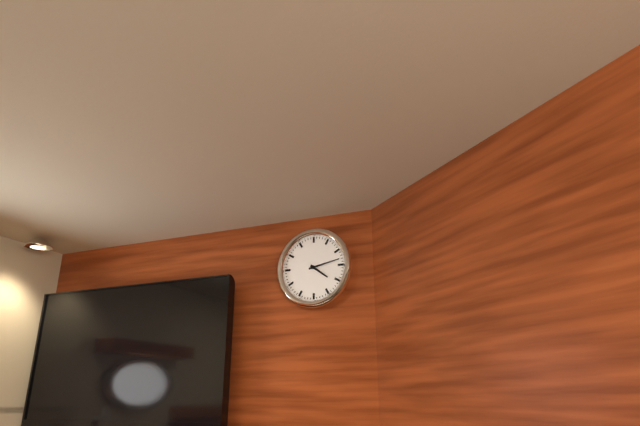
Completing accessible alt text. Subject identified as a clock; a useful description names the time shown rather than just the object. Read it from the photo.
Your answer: 4:13
